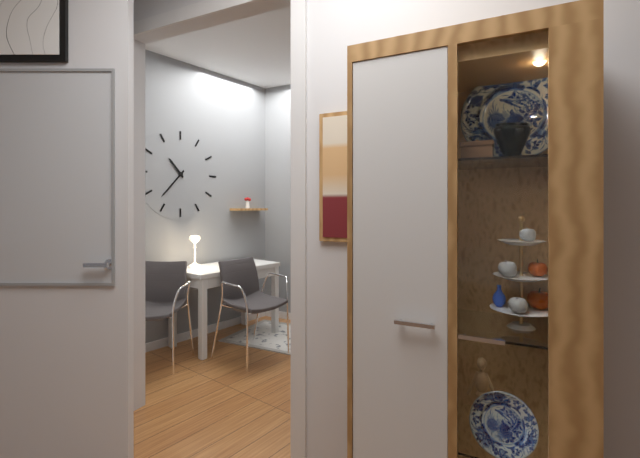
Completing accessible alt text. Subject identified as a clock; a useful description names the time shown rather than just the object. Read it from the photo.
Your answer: 10:37
